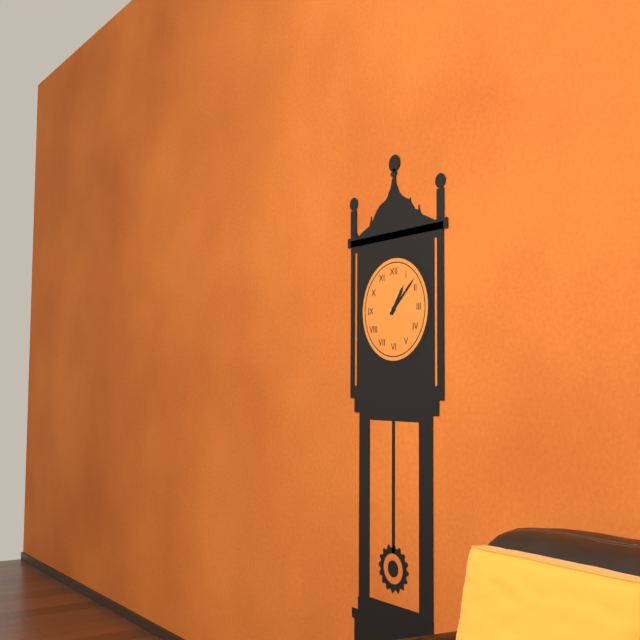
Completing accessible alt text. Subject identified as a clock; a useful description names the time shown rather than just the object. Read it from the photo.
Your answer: 1:08
